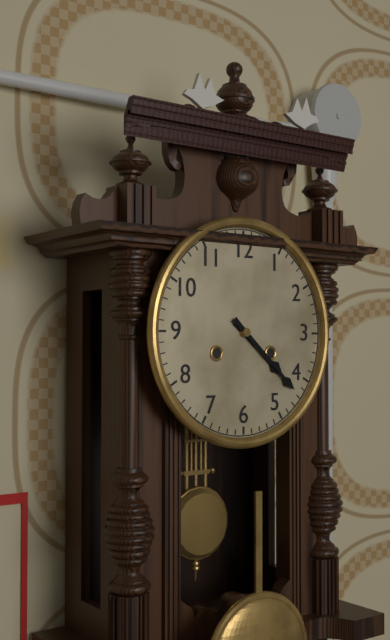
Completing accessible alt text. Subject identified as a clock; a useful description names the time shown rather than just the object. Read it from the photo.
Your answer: 4:22
